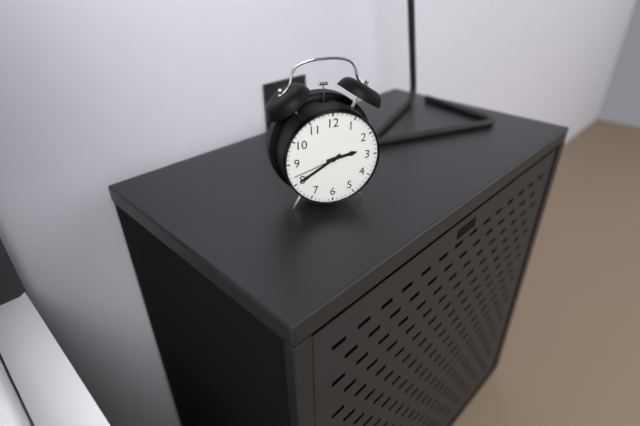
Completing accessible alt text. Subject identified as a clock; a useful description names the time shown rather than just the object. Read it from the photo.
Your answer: 2:40:42
